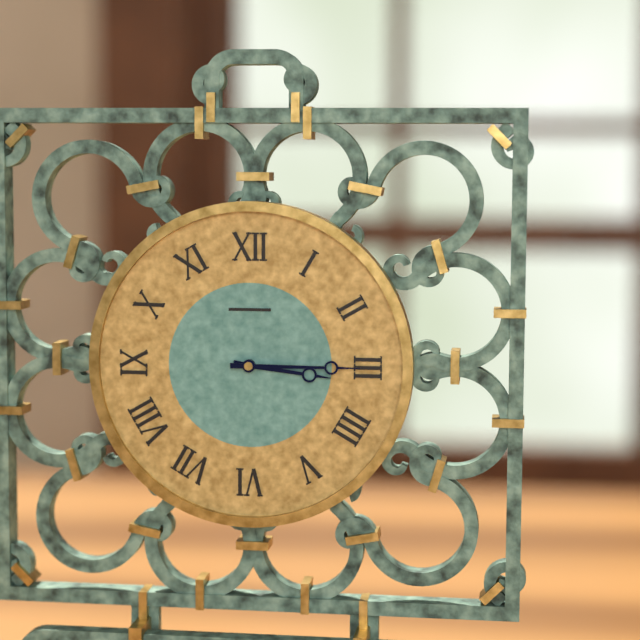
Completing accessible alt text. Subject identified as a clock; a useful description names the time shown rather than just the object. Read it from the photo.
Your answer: 3:15
